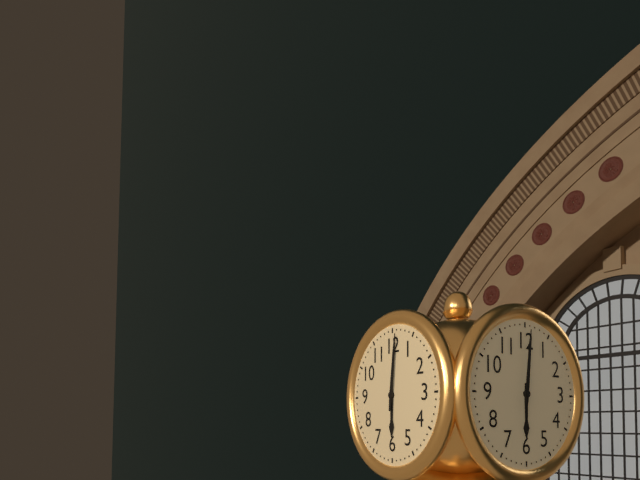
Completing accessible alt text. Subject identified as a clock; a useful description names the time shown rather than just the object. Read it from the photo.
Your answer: 6:01
